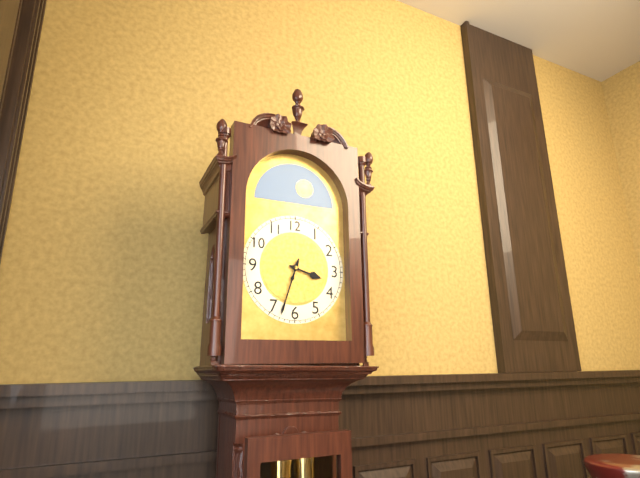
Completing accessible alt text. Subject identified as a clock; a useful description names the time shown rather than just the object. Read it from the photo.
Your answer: 3:33
